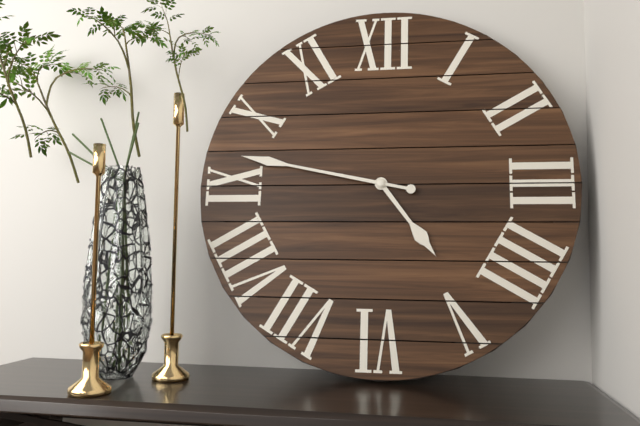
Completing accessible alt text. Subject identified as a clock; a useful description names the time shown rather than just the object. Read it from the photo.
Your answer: 4:47
